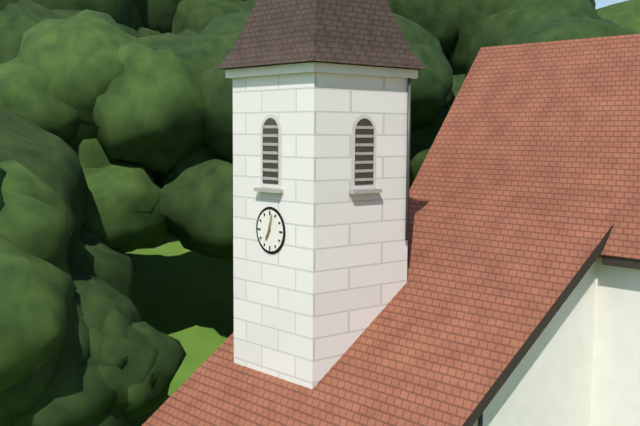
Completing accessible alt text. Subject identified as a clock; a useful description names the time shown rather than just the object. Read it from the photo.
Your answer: 7:03
